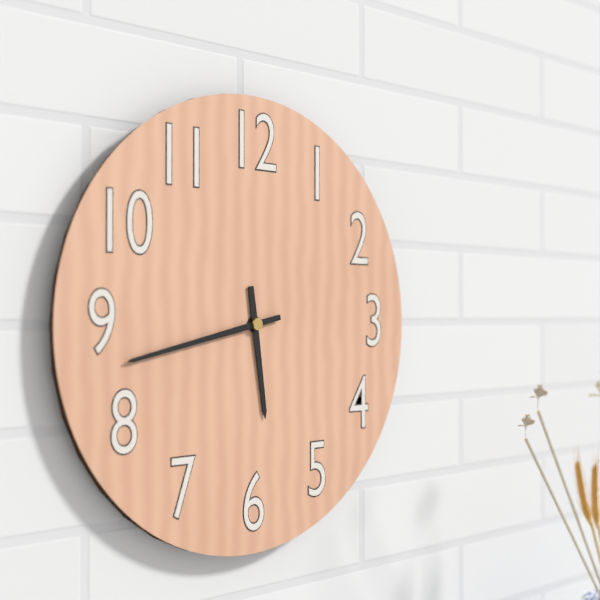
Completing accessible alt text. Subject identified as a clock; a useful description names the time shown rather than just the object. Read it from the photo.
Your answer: 5:43
